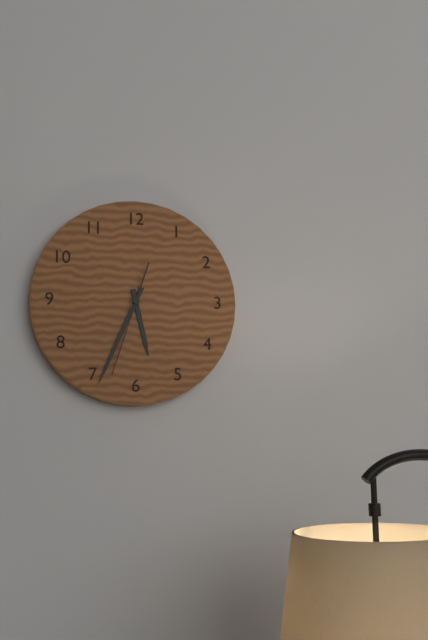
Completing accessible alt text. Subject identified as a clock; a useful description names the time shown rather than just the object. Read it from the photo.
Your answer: 5:34:33
